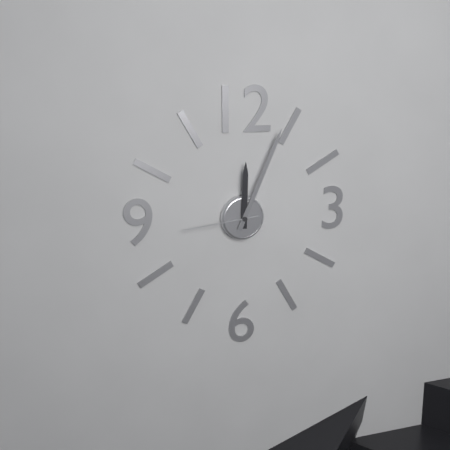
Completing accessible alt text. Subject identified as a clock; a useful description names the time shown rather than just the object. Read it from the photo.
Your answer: 12:04:44
